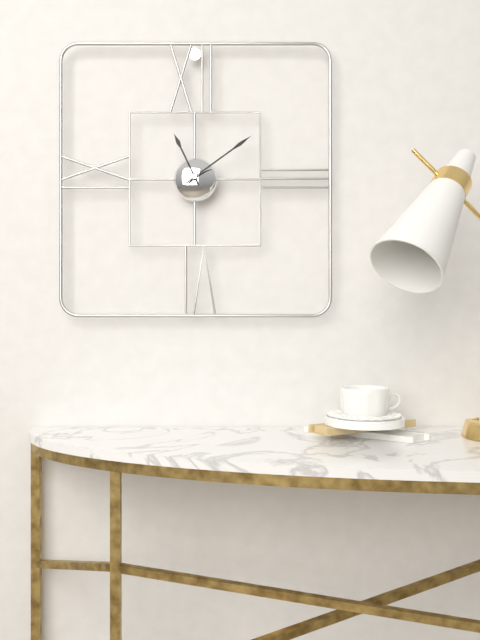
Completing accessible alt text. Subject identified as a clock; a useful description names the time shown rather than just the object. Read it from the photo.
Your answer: 11:09
